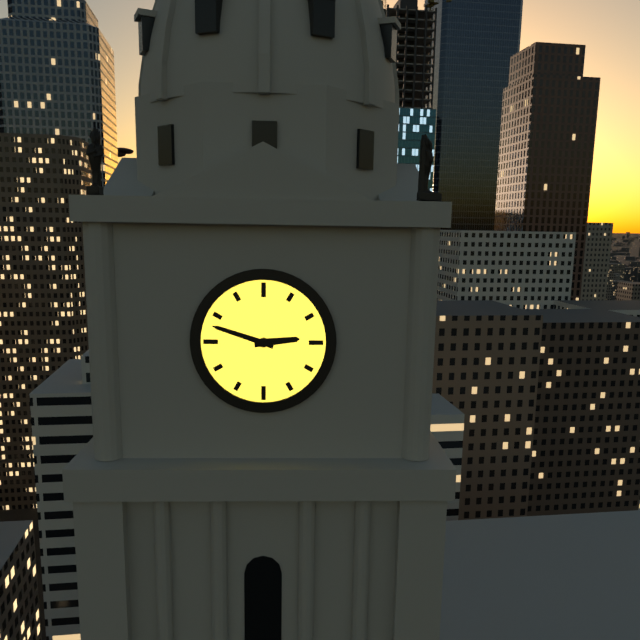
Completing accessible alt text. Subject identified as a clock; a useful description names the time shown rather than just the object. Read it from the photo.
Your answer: 2:48
